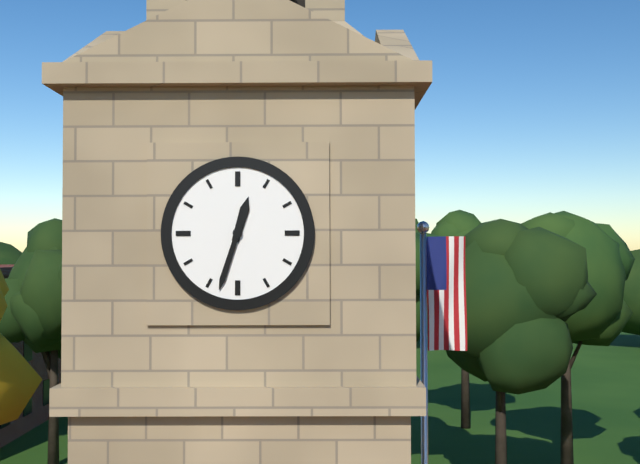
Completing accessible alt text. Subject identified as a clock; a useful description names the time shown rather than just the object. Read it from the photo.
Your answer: 12:33
